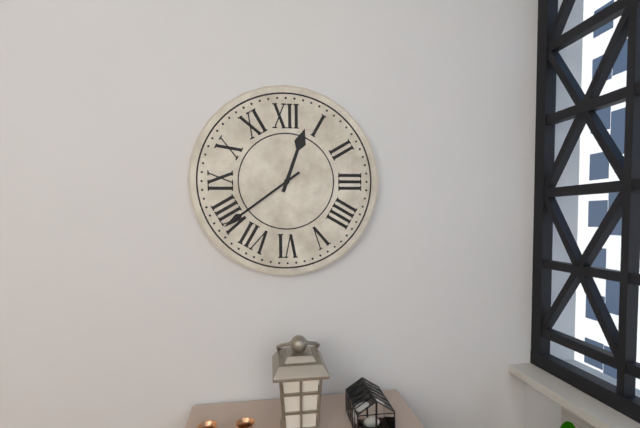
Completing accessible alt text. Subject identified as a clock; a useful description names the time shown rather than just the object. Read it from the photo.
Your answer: 12:39
